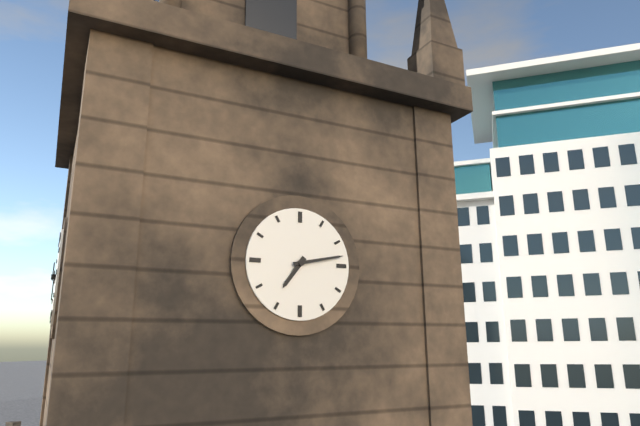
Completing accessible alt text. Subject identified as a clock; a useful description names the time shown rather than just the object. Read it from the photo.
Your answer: 7:13
